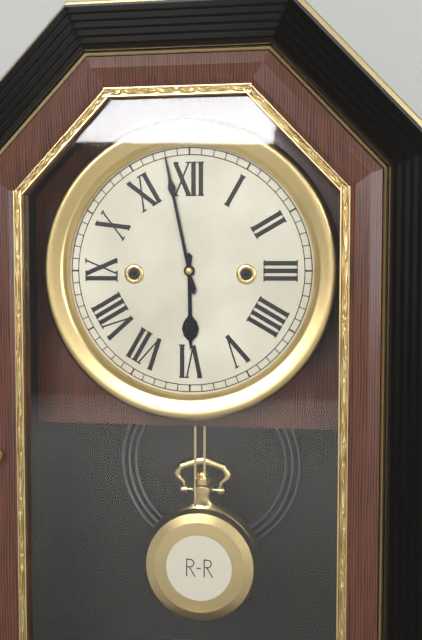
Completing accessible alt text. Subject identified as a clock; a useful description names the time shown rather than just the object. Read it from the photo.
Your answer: 5:58
